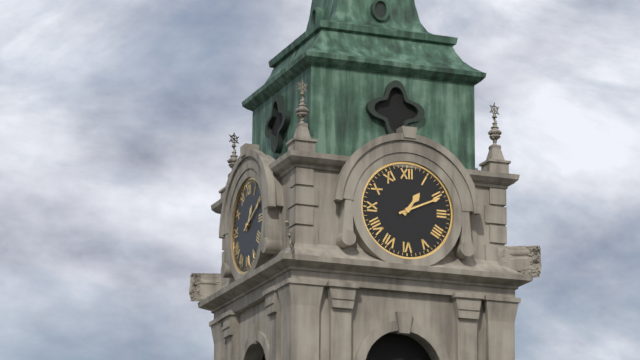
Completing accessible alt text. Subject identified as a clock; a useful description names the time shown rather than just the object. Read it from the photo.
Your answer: 1:11
